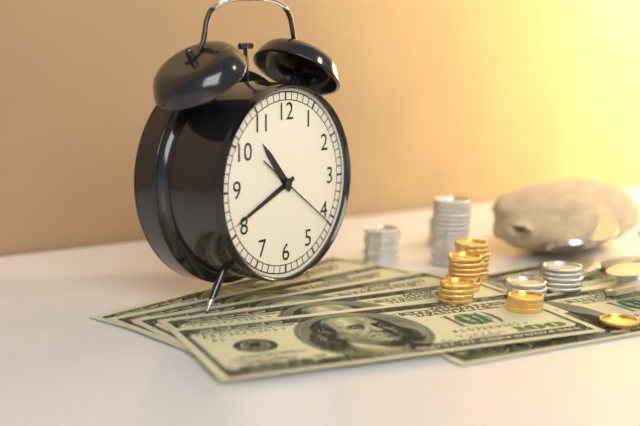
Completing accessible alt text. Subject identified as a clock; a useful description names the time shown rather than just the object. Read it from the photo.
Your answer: 10:41:21
